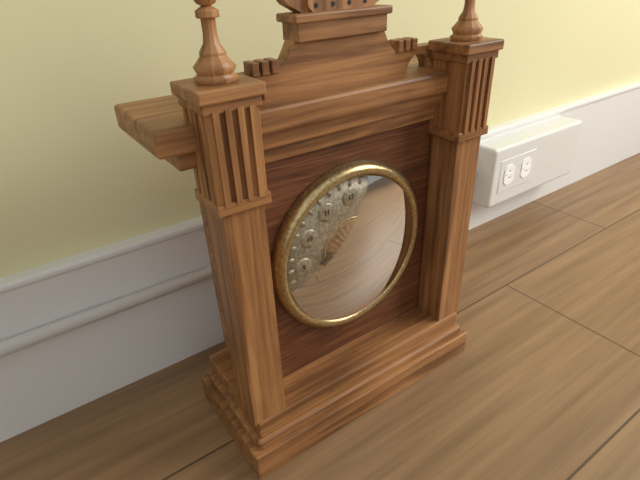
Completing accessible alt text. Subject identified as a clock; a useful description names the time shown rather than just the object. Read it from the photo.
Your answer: 9:05
